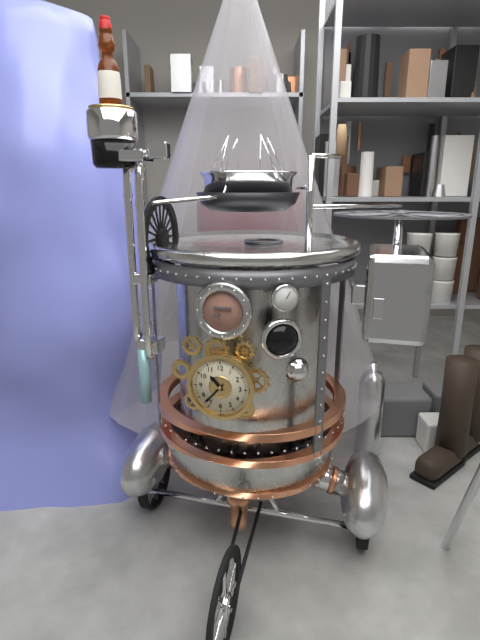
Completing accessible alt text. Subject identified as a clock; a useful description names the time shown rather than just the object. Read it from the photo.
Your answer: 10:37
